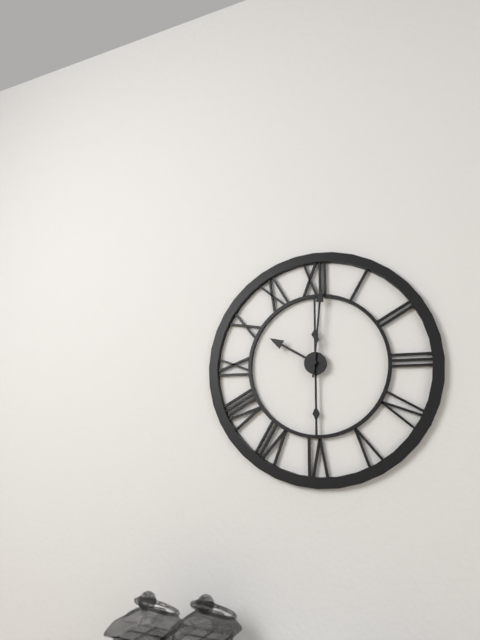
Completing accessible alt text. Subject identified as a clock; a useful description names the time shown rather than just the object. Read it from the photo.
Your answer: 10:01
